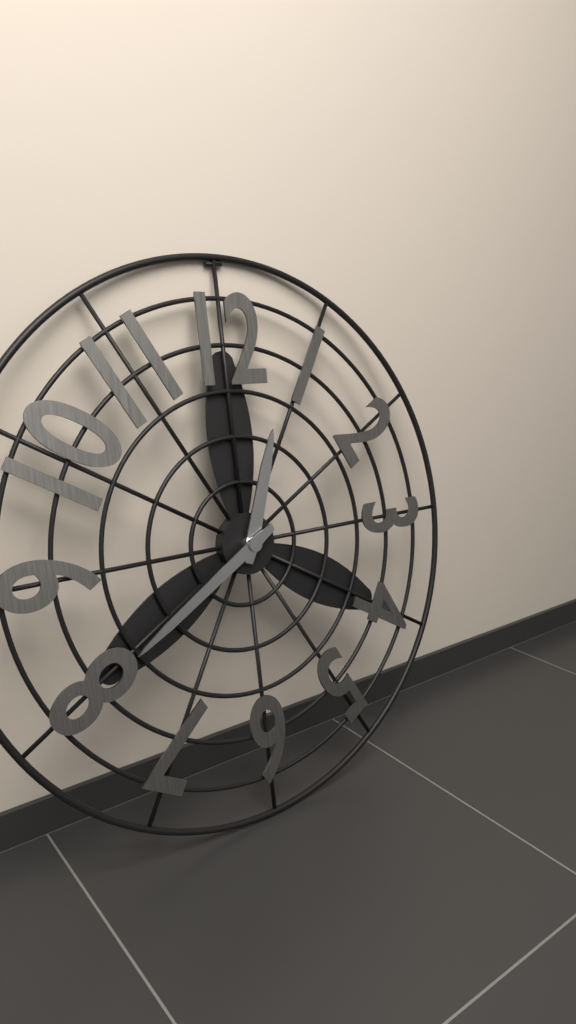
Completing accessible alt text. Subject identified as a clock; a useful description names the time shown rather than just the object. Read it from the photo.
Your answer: 12:40
